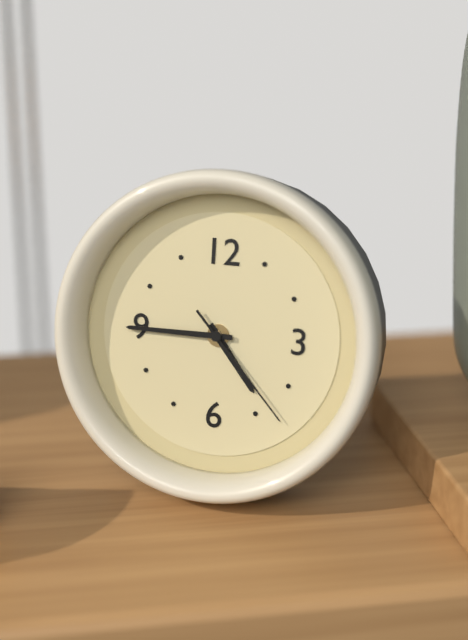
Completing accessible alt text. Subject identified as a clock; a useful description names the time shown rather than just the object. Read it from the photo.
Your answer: 4:45:23
